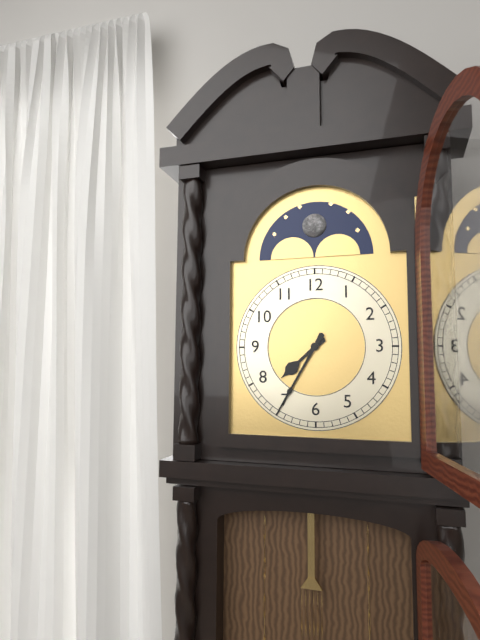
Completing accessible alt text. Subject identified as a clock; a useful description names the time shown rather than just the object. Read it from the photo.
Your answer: 7:35
